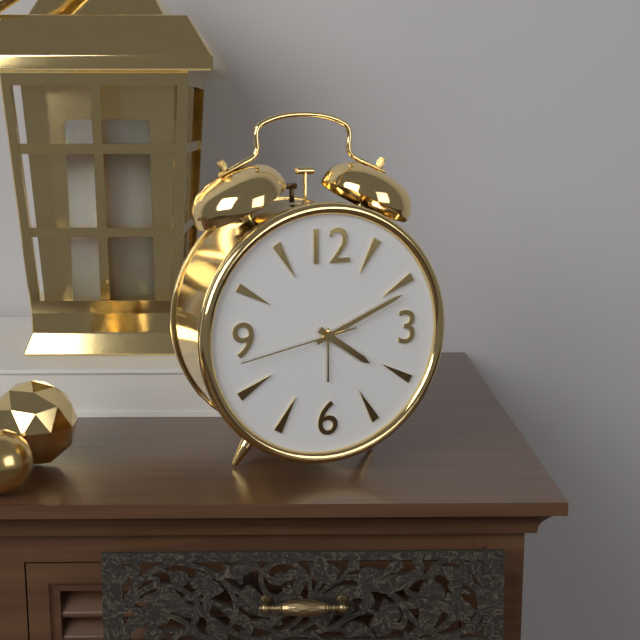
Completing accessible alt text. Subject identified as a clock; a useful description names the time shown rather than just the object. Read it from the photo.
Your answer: 4:11:43
